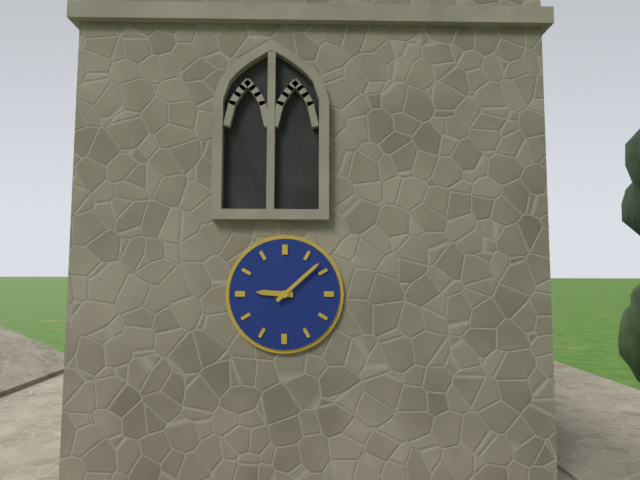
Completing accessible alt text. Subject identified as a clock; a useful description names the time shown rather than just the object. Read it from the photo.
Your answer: 9:08
